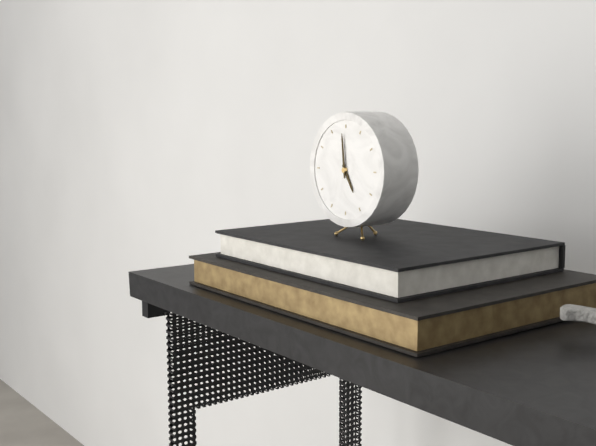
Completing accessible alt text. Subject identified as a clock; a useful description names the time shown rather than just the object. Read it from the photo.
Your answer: 4:59
